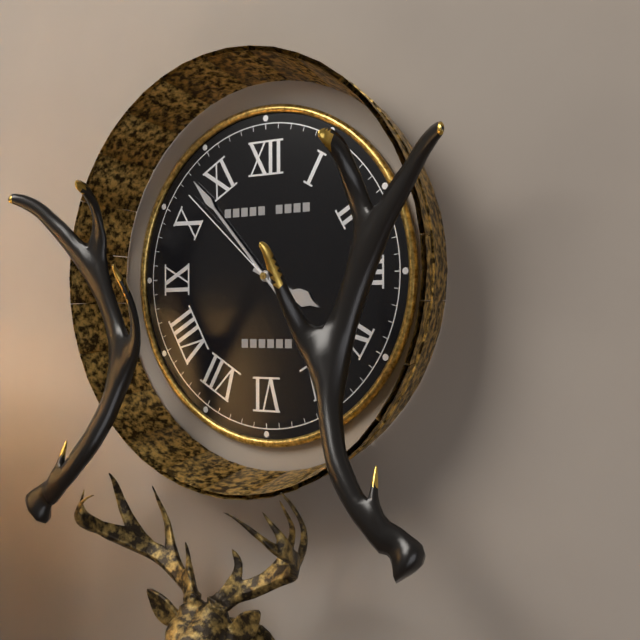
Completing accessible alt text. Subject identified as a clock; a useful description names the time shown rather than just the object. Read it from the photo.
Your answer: 3:53:52
